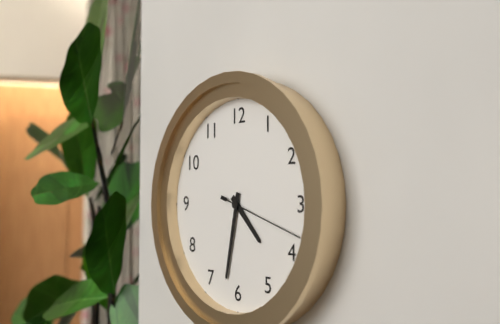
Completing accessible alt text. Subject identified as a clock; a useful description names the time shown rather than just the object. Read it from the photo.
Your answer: 4:32:18
